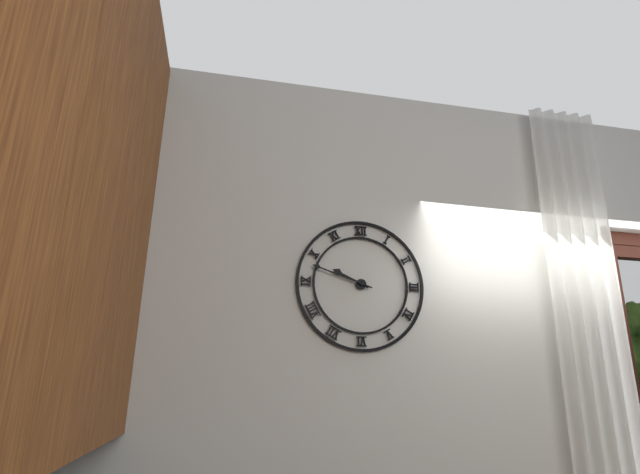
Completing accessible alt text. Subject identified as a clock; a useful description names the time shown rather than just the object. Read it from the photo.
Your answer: 9:48
